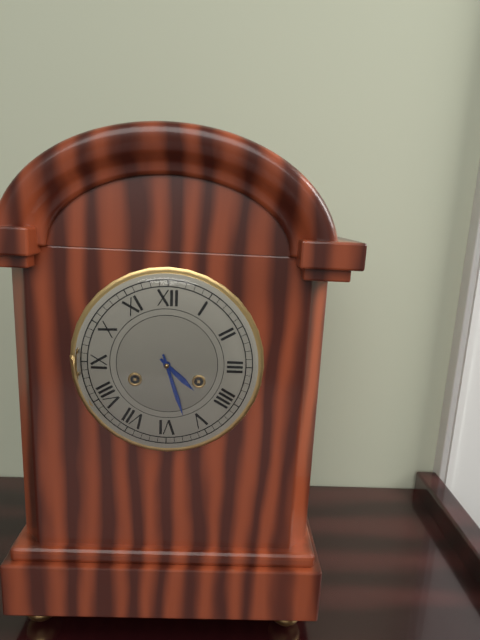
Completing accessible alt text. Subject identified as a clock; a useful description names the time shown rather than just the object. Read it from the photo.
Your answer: 4:27
